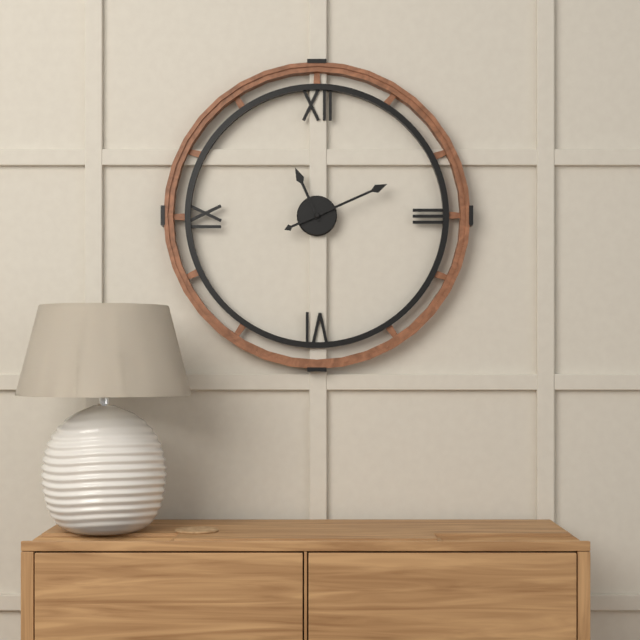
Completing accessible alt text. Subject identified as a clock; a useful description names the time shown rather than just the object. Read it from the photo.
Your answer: 11:11
